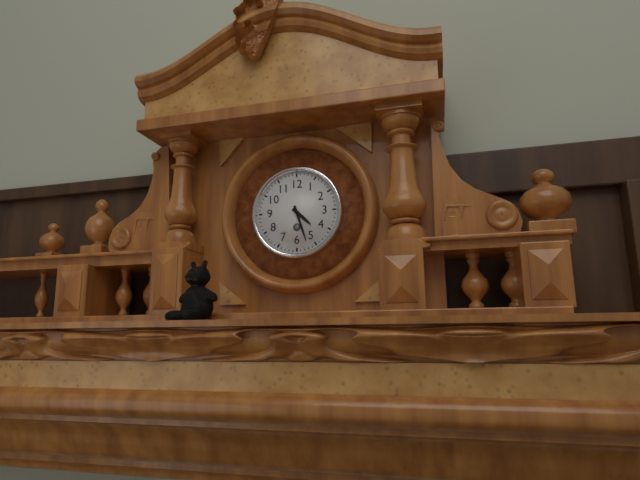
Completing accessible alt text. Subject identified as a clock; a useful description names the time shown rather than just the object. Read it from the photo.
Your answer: 4:27
